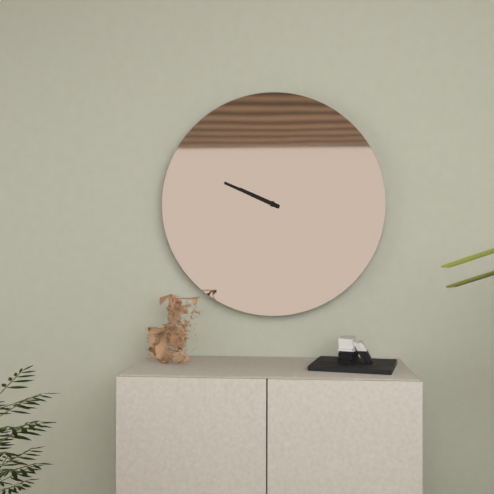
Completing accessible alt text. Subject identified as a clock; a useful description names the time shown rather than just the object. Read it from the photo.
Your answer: 9:49
